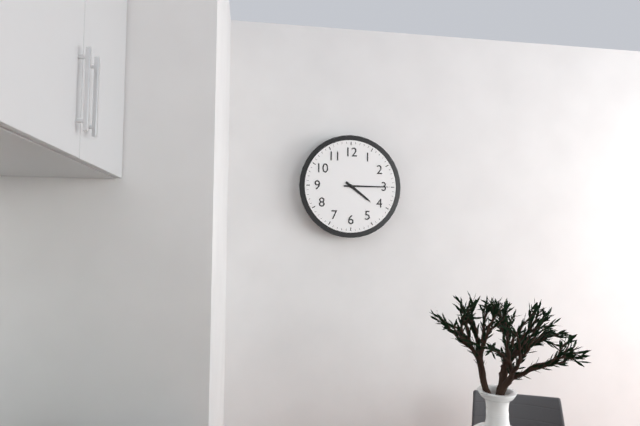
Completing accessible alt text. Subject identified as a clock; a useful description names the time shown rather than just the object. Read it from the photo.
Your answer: 4:15
